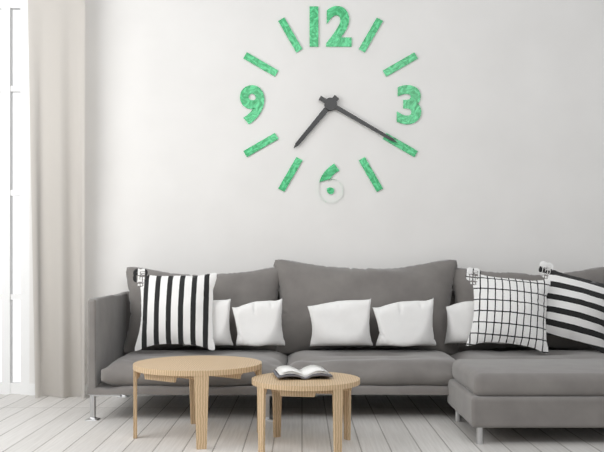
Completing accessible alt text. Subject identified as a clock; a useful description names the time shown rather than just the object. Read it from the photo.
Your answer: 7:20
